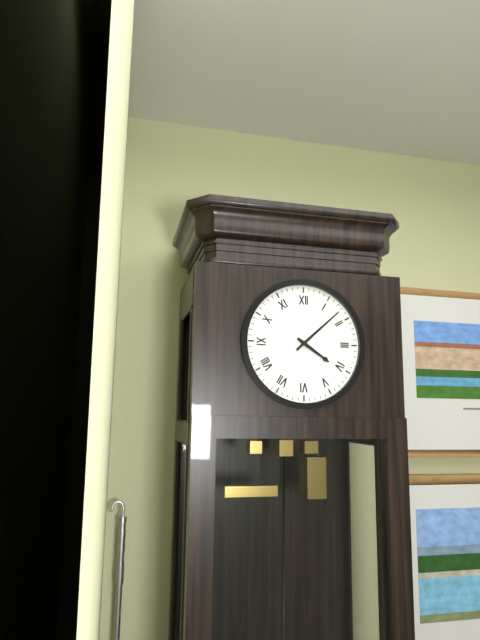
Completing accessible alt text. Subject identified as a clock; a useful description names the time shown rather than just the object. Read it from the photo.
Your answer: 4:08
